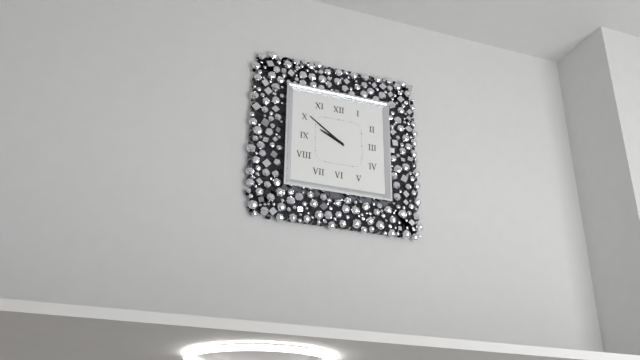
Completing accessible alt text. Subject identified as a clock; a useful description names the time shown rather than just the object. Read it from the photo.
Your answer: 9:51
